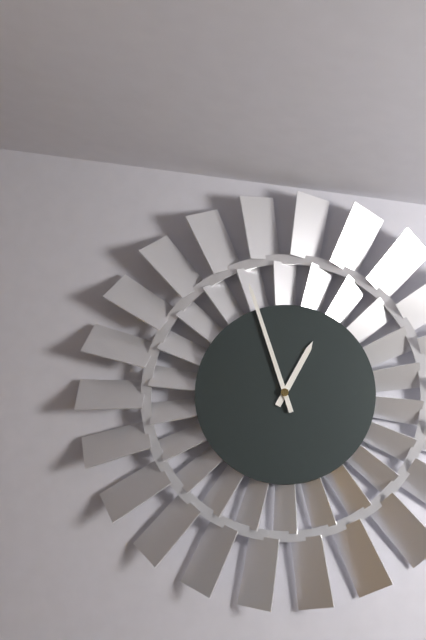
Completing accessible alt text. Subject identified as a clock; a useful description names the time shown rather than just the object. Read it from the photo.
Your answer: 12:57
